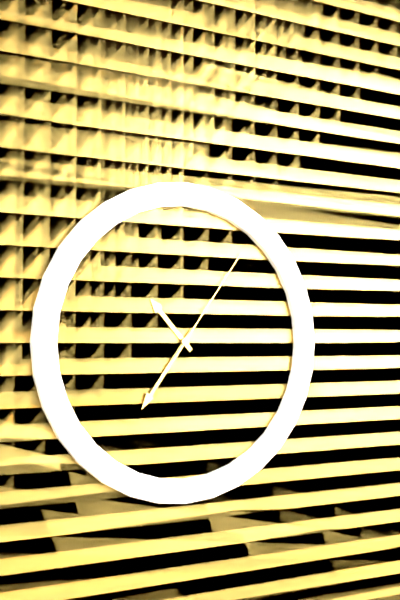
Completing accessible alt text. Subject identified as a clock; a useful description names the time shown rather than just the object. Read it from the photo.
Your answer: 10:36:06
